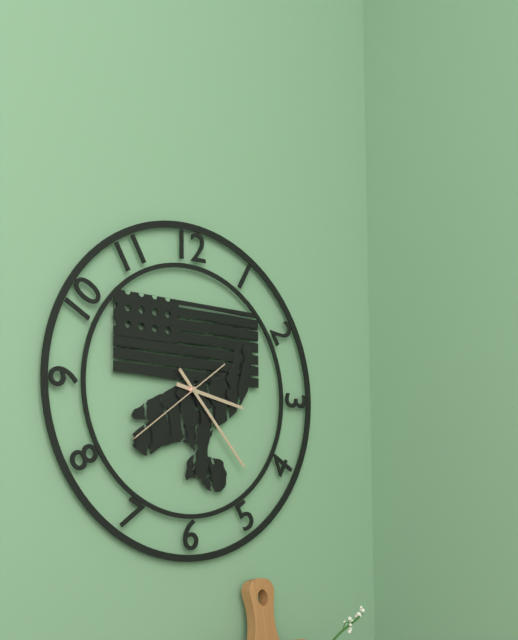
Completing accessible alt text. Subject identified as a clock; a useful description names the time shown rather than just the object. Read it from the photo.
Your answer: 3:23:39
